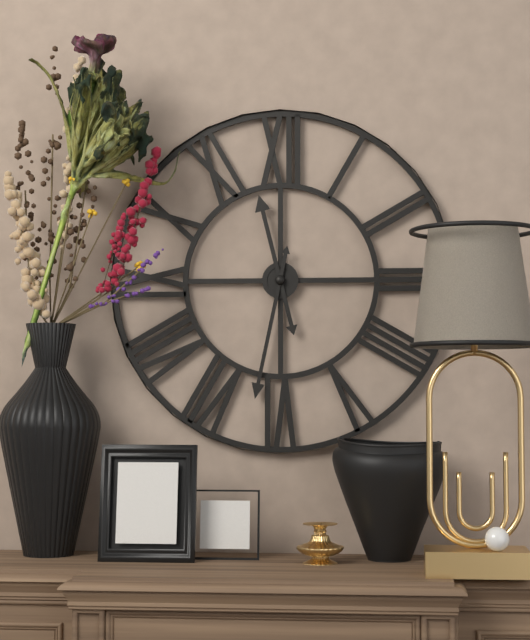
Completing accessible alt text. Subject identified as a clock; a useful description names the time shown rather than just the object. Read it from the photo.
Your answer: 11:32
